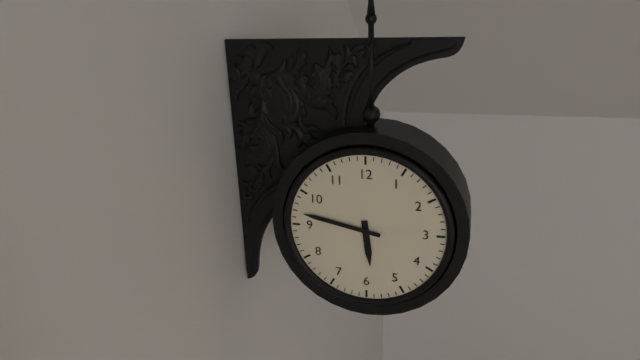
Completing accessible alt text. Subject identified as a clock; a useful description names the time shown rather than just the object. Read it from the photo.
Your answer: 5:47
